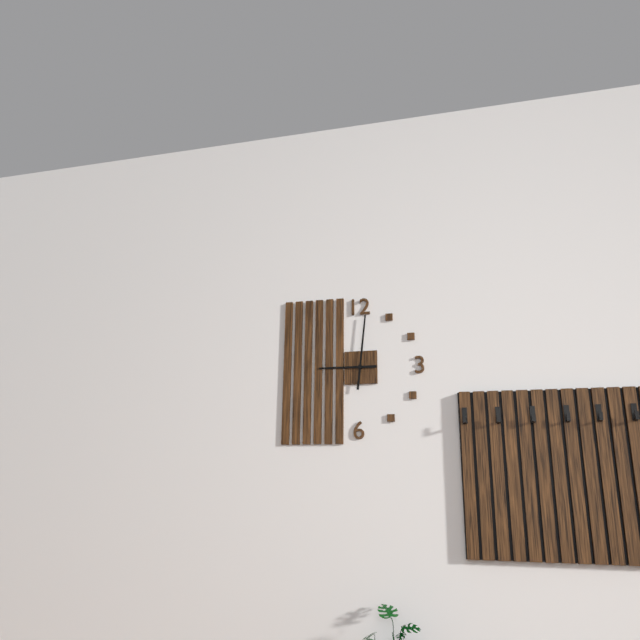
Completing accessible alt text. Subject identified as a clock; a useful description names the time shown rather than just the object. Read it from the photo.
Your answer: 9:01
